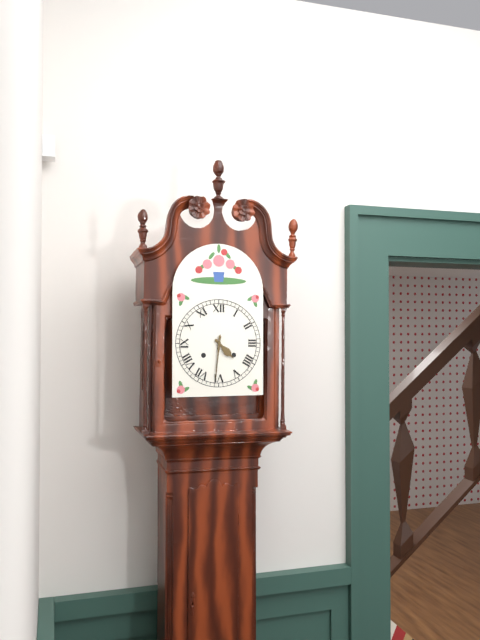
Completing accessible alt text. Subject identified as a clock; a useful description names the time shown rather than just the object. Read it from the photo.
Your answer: 4:31
